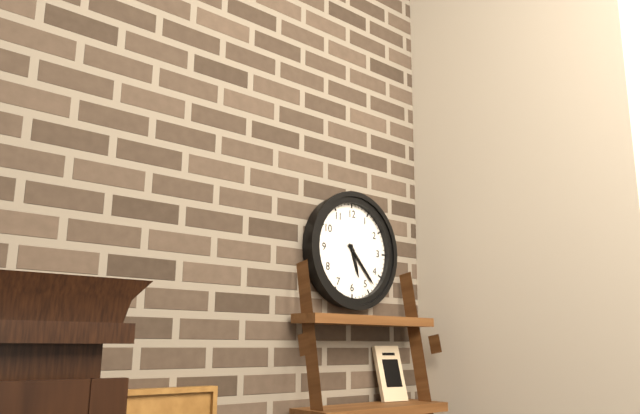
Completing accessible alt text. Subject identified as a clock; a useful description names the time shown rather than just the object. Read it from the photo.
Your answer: 5:23
